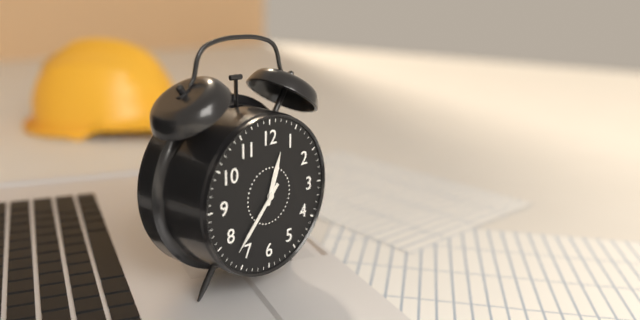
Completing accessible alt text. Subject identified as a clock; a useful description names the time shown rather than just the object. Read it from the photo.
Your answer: 12:37
